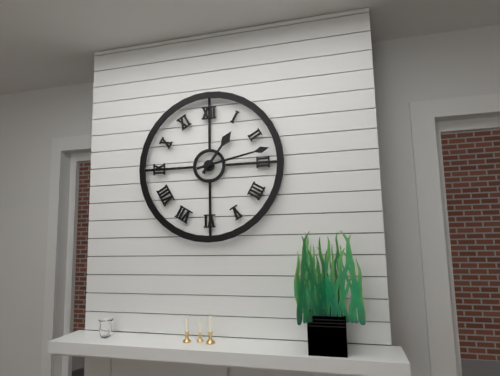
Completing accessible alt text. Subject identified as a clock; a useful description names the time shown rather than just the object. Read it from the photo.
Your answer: 1:13
